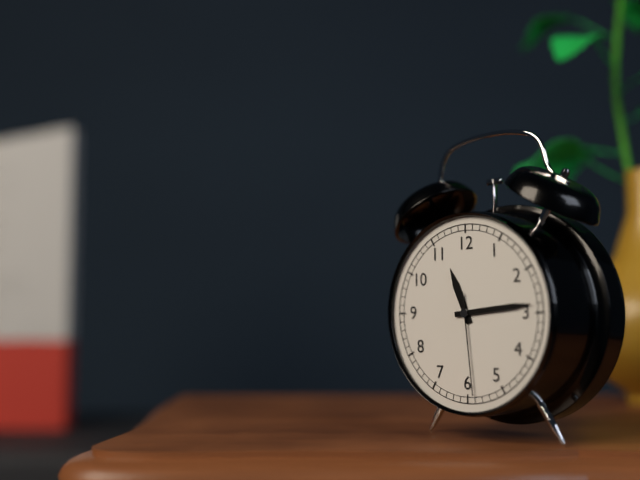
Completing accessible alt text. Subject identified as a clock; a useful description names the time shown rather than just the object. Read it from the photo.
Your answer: 11:14:29
